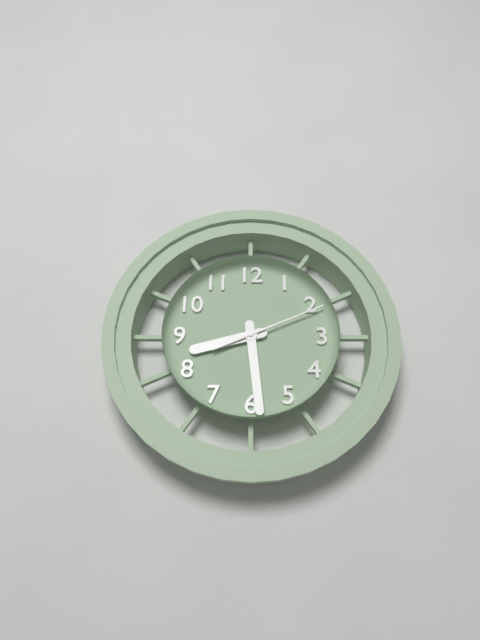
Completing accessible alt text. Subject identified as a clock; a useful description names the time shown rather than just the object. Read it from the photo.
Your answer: 8:29:11
